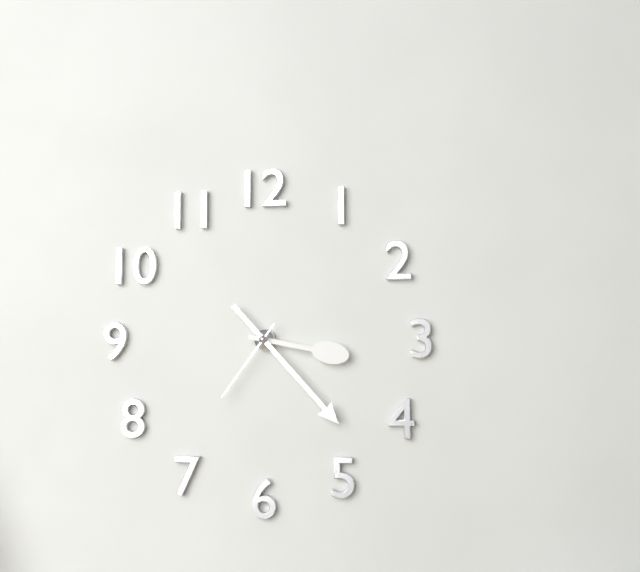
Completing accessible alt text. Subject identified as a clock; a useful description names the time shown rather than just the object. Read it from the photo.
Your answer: 3:23:36
